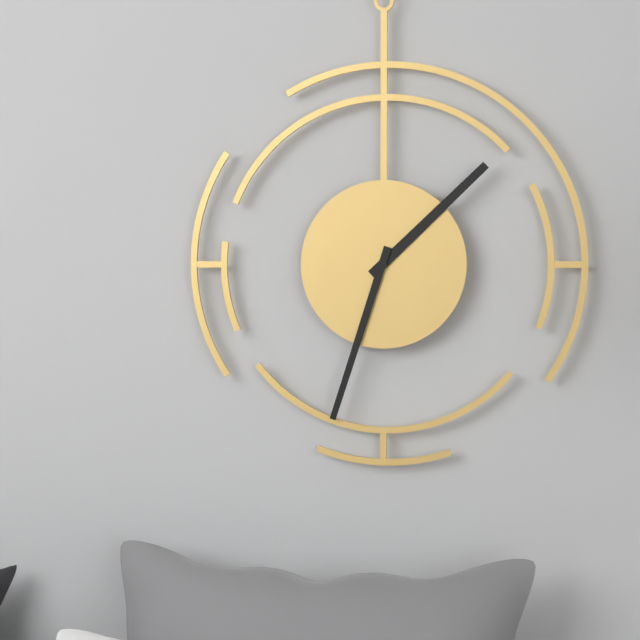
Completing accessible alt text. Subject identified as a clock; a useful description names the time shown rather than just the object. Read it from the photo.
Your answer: 1:33
